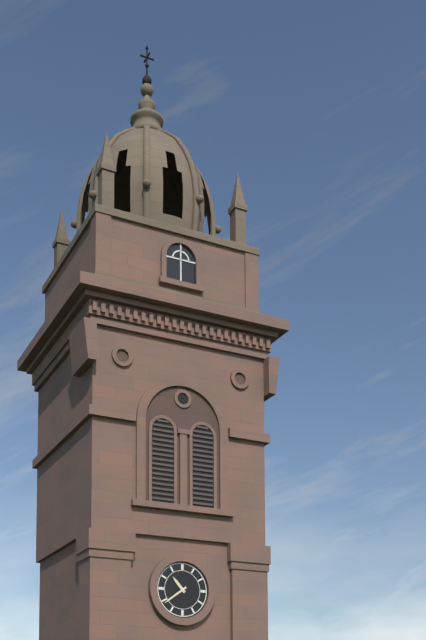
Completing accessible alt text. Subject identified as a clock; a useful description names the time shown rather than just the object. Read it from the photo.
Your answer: 10:39
